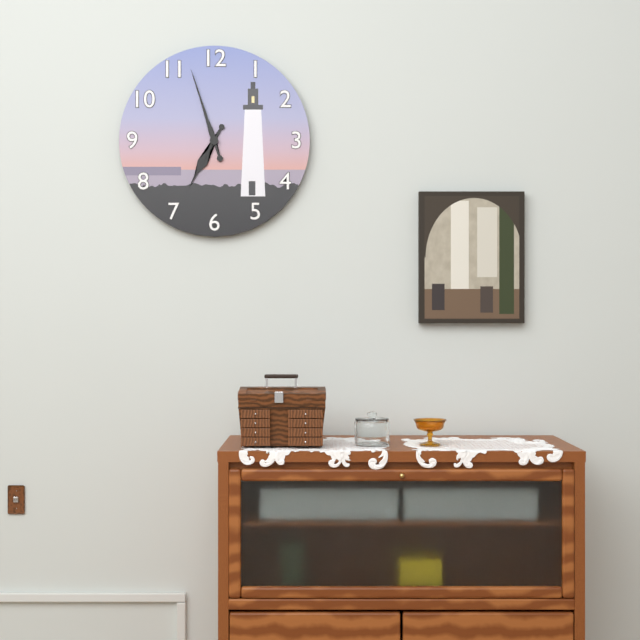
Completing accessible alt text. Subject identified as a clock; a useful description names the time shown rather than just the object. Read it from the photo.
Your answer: 6:57
